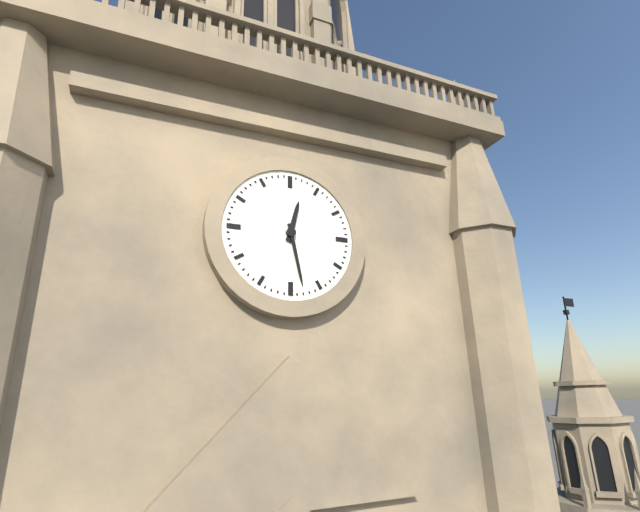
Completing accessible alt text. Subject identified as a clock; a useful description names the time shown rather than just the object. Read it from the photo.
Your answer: 12:28
